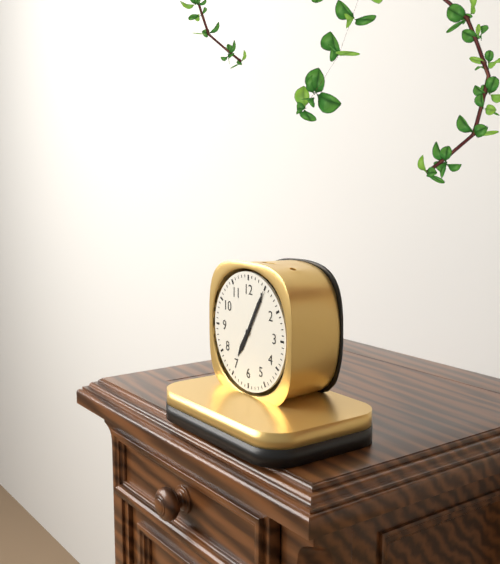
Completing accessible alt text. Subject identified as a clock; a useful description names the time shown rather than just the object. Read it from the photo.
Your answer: 7:05
